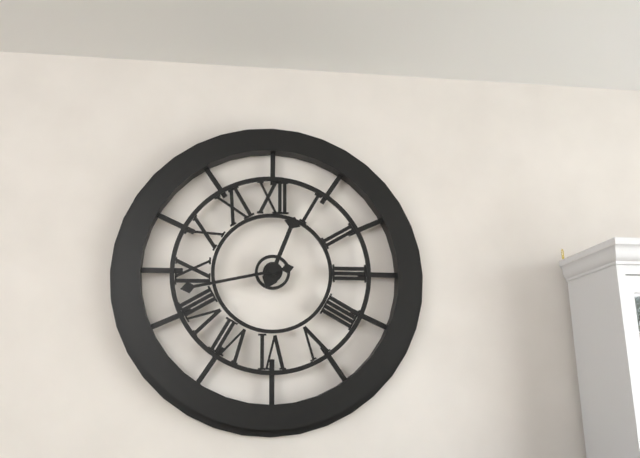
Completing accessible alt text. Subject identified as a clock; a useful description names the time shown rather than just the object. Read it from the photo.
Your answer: 12:43
